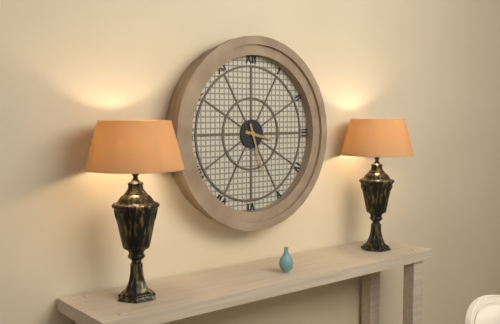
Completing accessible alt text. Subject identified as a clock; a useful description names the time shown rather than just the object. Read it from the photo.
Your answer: 3:27
